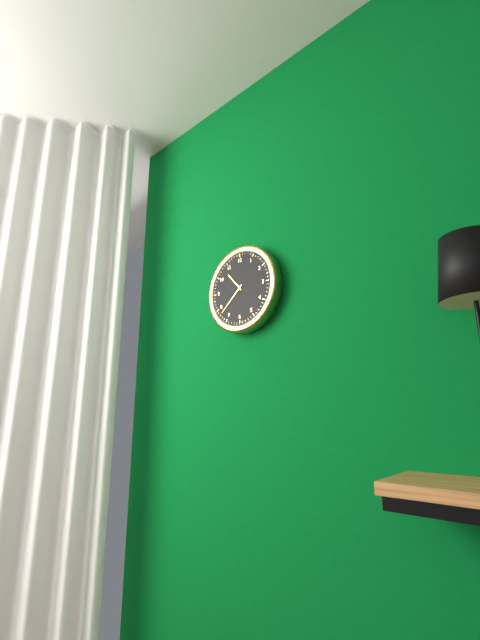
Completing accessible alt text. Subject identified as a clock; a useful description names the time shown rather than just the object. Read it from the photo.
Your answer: 10:38
